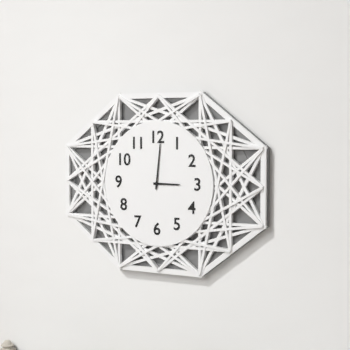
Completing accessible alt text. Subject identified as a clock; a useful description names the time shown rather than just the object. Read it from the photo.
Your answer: 3:01
